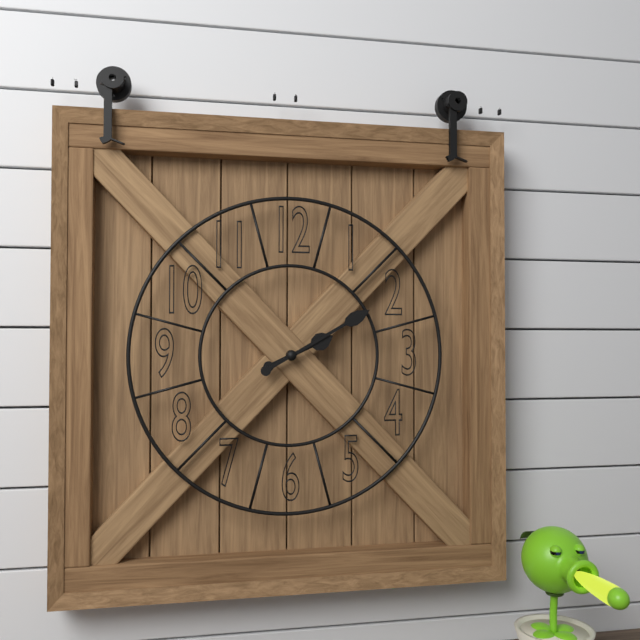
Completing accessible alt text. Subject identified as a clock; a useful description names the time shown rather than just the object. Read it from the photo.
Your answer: 2:10
